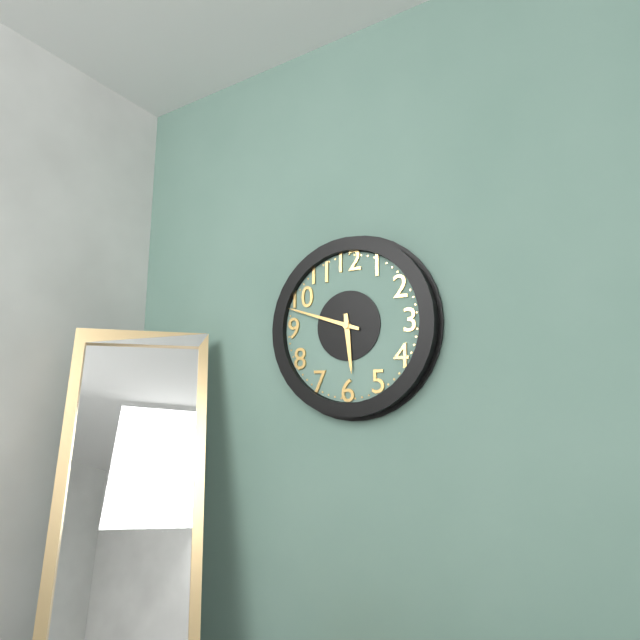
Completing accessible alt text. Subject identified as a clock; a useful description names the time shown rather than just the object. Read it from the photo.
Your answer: 5:48
